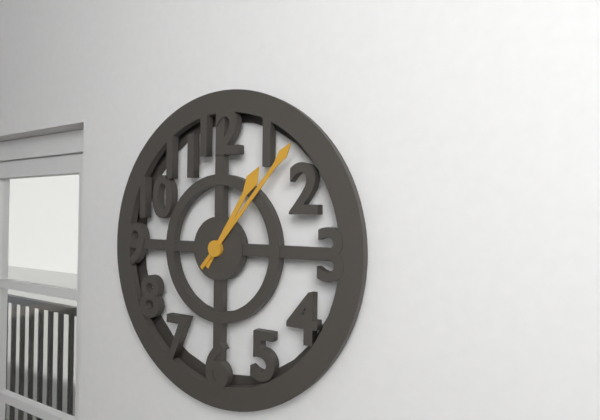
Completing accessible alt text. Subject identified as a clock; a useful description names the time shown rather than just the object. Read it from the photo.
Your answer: 1:07
